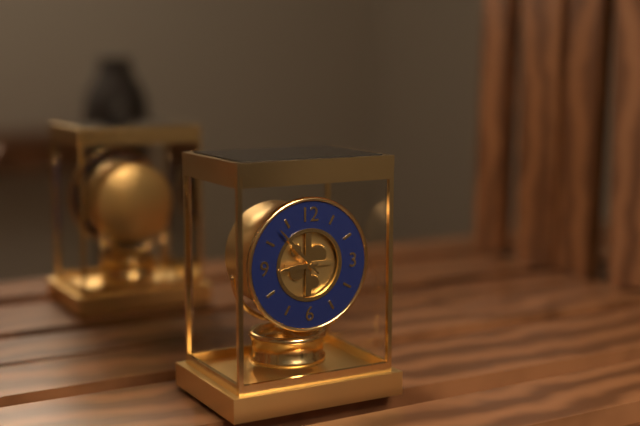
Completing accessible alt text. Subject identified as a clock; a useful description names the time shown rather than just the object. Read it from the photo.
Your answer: 8:53
